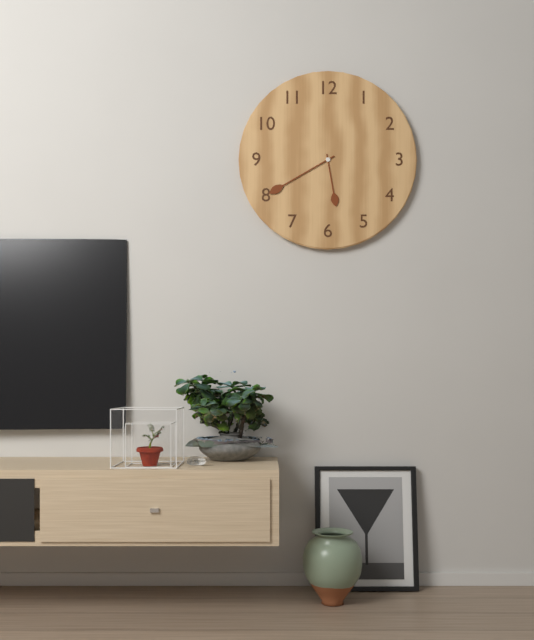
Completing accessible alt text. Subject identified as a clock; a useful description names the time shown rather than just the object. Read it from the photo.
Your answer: 5:40
